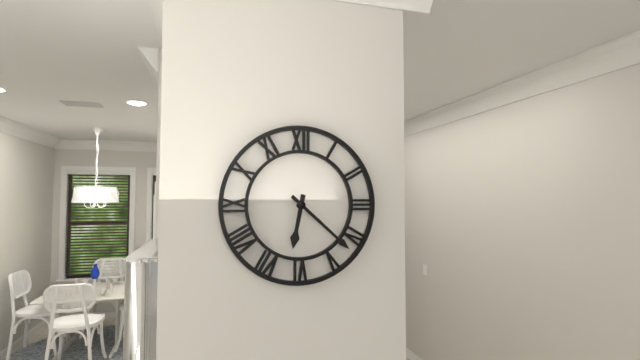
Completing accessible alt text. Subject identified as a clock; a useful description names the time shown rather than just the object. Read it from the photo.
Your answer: 6:22
